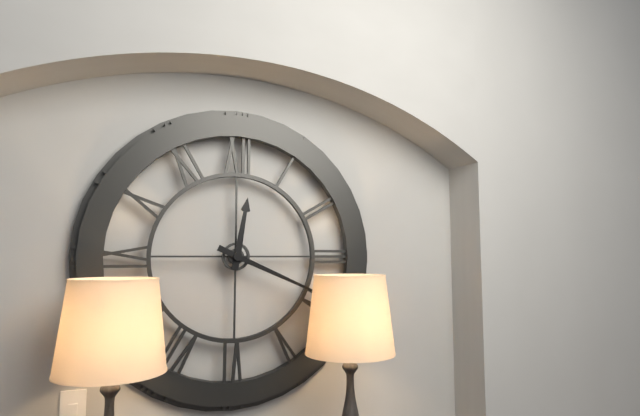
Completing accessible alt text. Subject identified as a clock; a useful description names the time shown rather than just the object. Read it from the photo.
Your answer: 12:19
